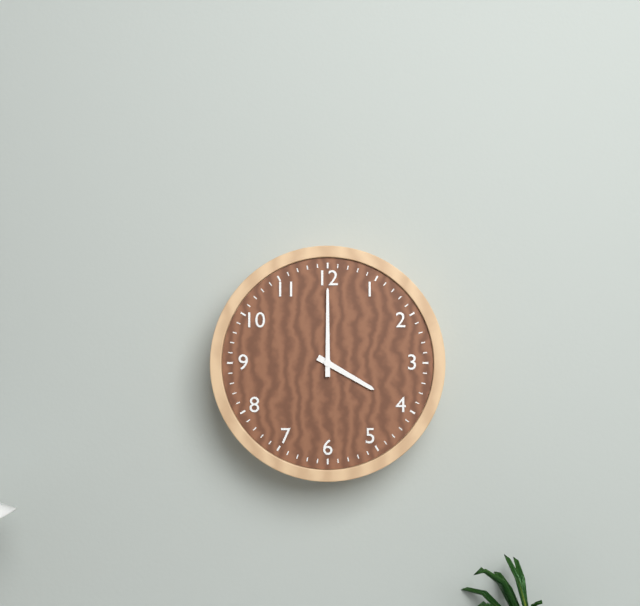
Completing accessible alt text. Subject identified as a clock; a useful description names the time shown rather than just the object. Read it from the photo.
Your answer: 4:00
